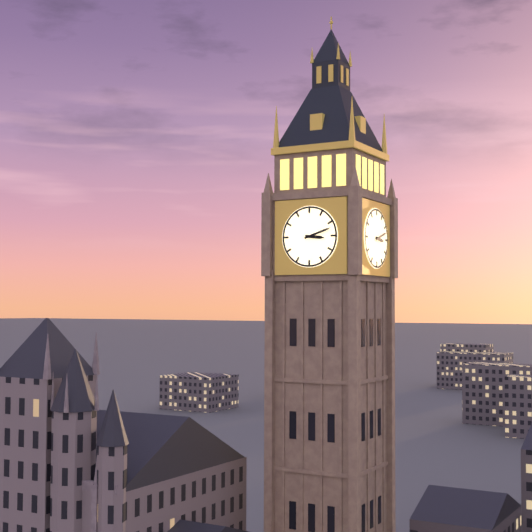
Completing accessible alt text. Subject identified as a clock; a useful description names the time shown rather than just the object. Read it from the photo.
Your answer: 3:12
